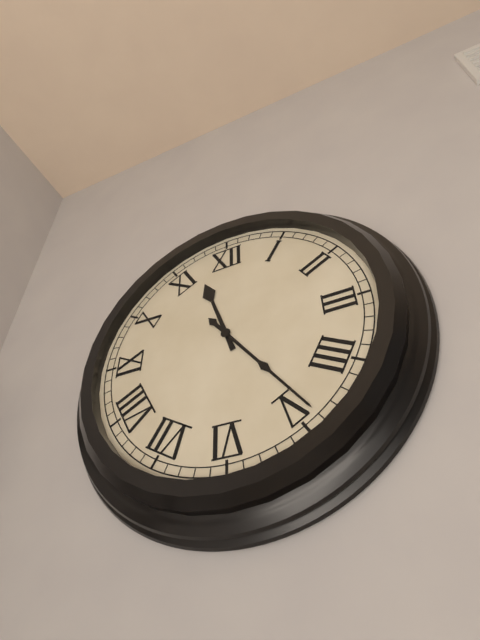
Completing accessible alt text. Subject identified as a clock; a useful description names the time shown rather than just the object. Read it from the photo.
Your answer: 11:24
